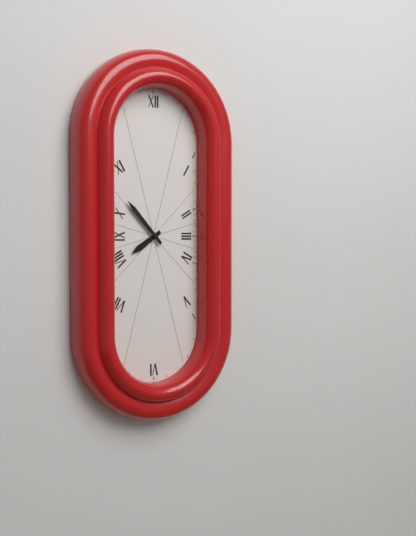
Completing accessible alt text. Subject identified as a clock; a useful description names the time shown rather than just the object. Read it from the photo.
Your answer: 7:53
